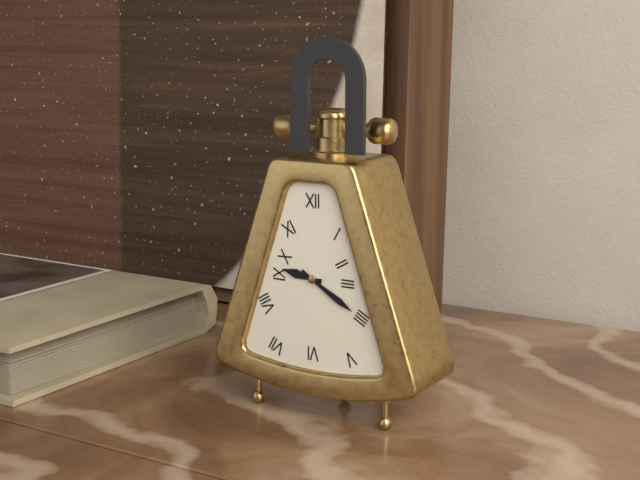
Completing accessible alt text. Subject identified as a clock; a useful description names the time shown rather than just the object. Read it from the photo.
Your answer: 9:20
